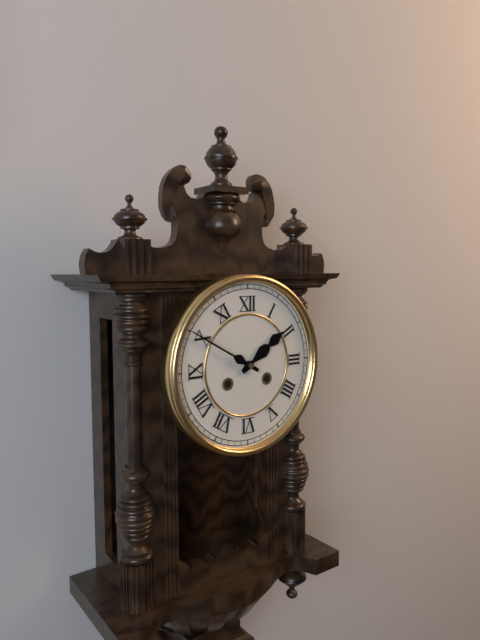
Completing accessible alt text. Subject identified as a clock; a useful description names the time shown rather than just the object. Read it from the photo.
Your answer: 1:50
